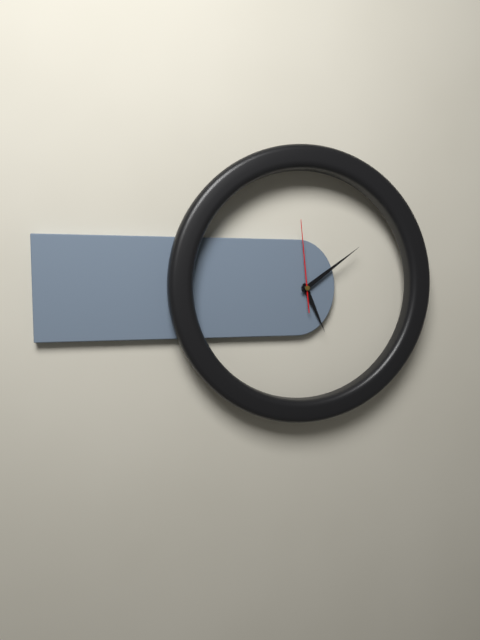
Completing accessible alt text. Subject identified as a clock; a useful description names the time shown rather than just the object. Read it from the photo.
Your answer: 5:09:59
